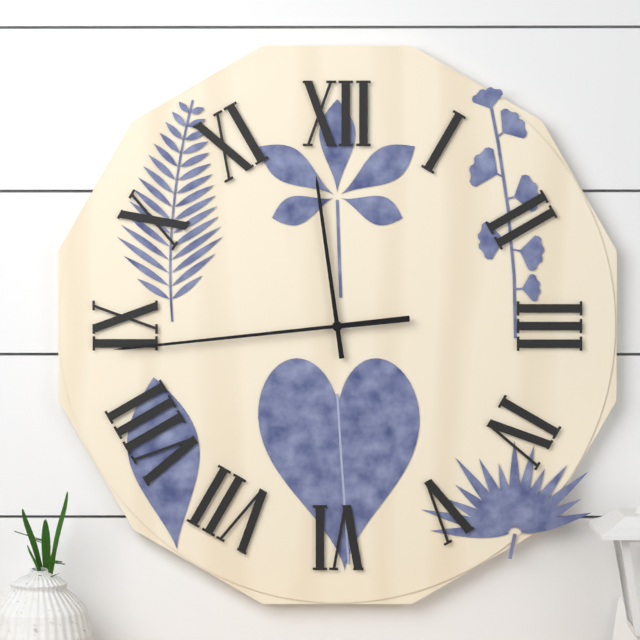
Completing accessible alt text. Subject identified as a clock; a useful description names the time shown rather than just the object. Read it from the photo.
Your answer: 11:44
